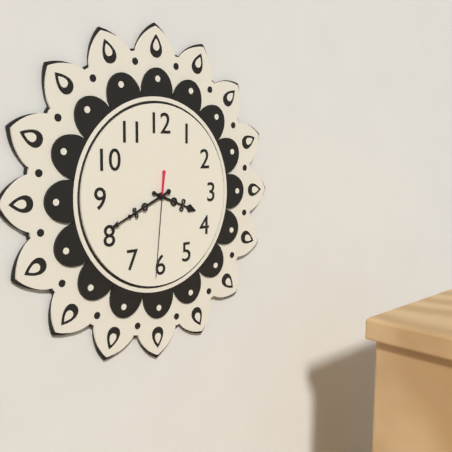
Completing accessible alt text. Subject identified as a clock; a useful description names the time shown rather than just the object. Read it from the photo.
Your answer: 3:41:31
